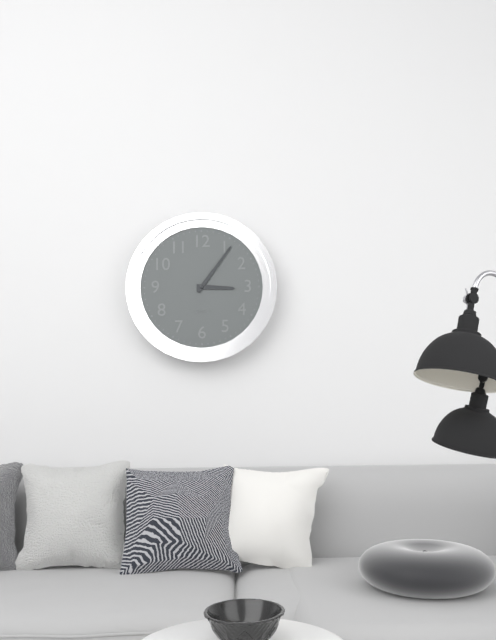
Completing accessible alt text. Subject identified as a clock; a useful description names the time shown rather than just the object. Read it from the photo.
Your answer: 3:06
